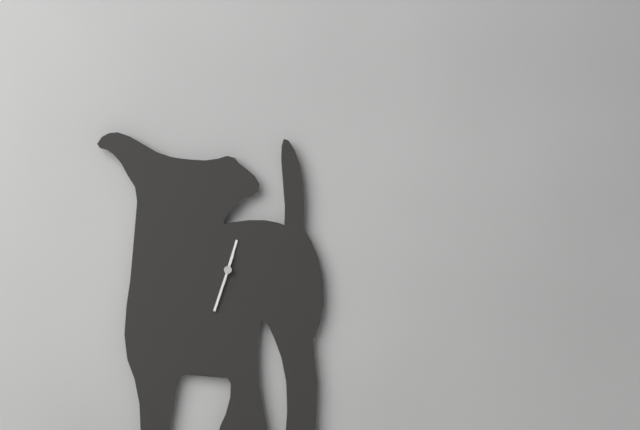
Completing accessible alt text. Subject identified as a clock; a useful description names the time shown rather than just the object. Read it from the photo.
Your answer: 12:33
